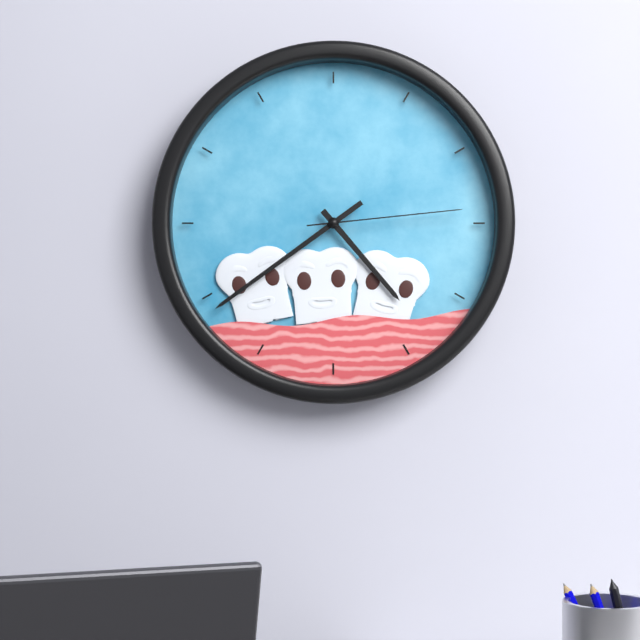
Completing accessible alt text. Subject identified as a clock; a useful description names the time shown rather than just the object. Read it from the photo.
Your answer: 4:39:14
